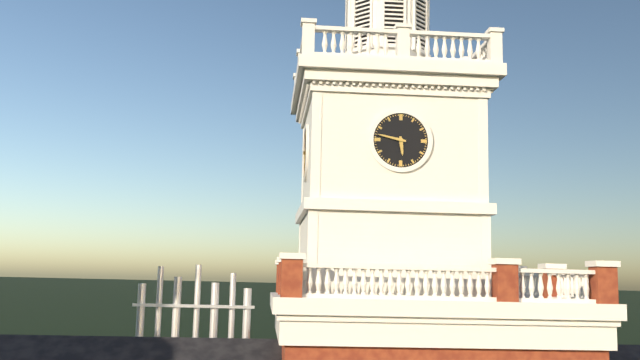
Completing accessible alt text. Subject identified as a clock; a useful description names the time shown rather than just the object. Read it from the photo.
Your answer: 5:47
